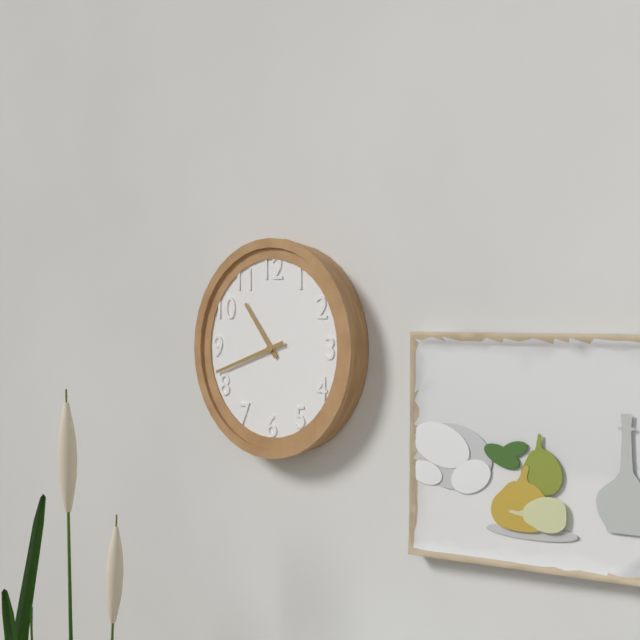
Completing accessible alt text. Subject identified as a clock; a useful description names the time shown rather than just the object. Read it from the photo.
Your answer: 10:42
